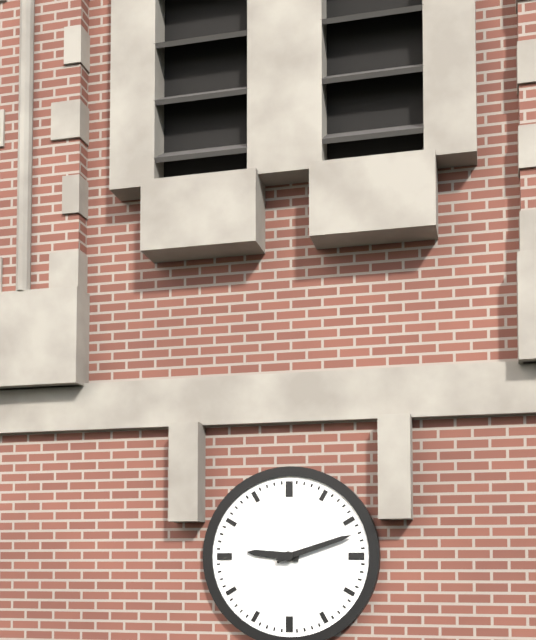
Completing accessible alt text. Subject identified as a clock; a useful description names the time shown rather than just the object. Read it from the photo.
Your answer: 9:12
